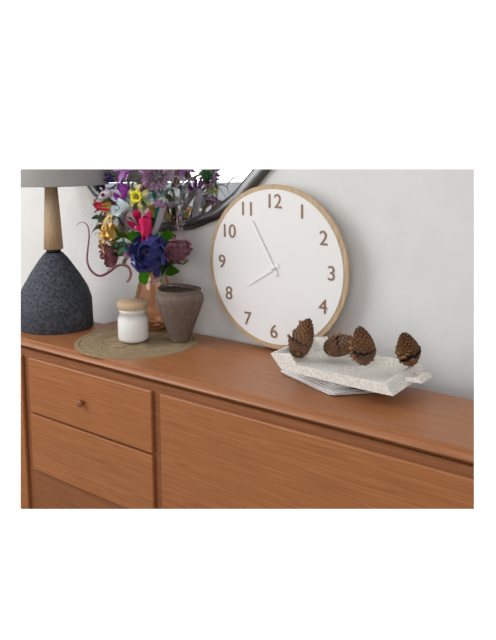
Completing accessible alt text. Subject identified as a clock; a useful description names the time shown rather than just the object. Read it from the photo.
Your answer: 7:55
